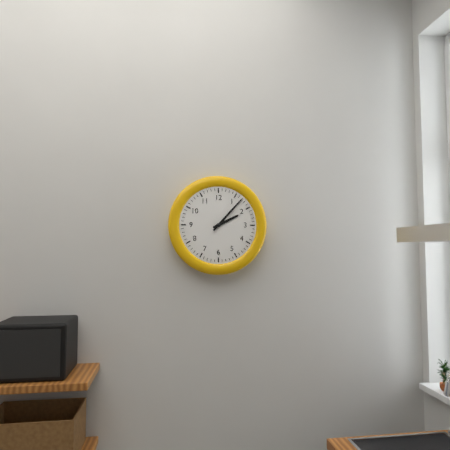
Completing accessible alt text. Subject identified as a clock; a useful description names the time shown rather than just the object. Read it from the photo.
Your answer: 2:07
